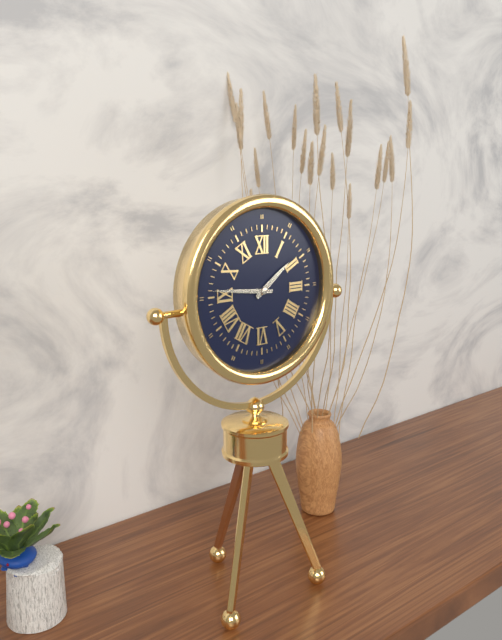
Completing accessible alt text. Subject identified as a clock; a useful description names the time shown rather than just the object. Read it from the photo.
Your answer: 1:46
